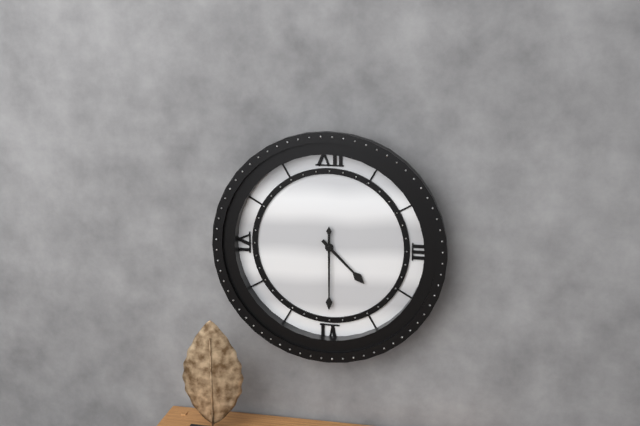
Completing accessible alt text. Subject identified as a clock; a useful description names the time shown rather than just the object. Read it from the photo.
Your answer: 4:30
